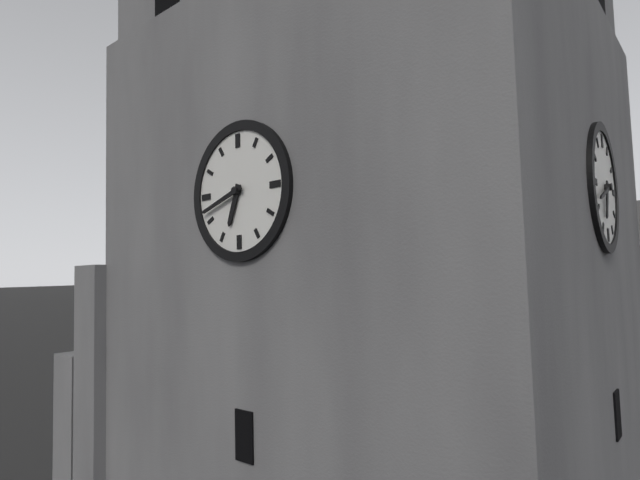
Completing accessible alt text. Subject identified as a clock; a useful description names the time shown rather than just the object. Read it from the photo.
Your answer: 6:42
